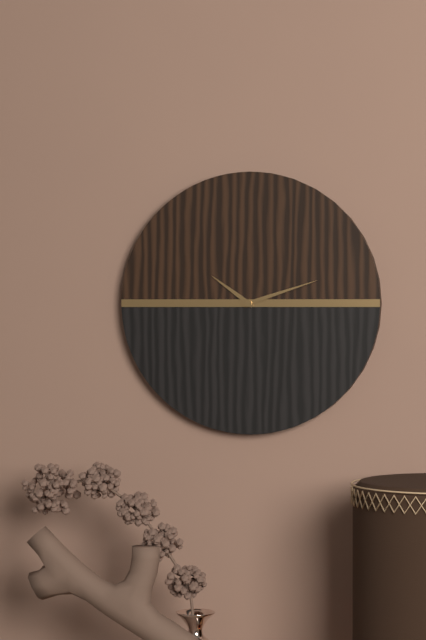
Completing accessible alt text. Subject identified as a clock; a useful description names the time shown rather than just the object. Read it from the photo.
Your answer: 10:12
